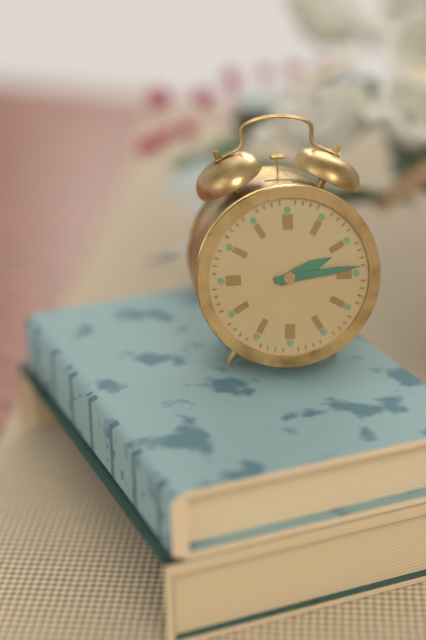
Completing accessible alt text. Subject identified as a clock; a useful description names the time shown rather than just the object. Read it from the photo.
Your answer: 2:14
